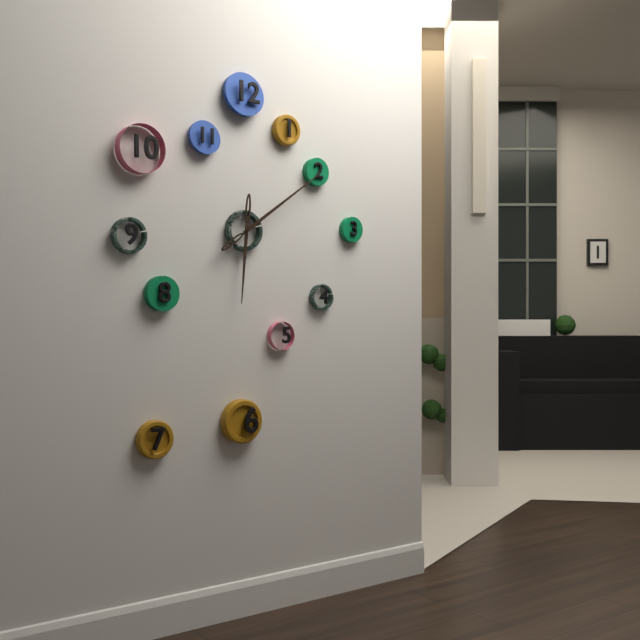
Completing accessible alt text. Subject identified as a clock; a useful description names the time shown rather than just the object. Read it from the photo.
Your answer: 6:09
